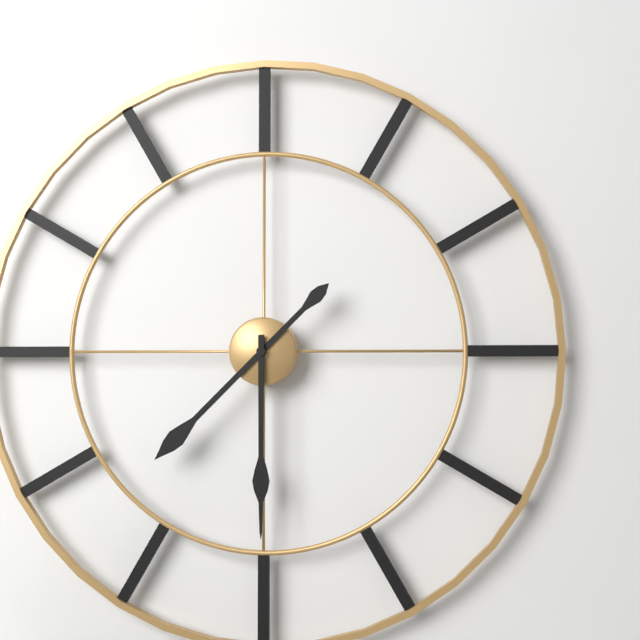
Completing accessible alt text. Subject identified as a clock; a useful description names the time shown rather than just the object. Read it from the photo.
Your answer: 7:30
